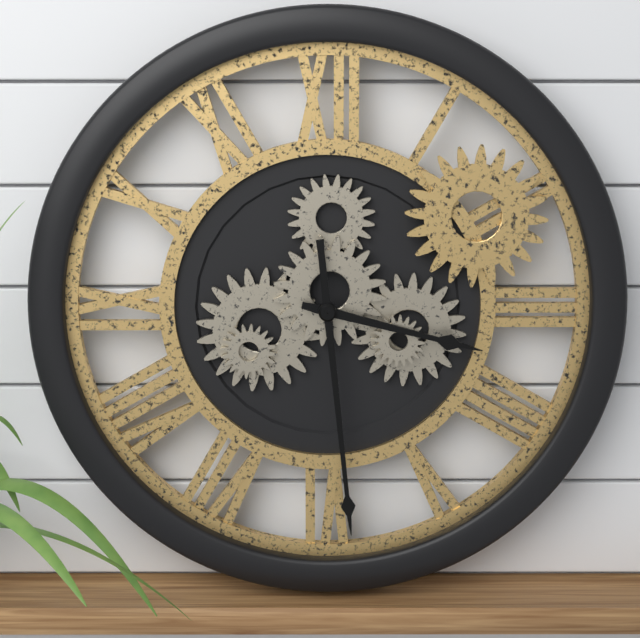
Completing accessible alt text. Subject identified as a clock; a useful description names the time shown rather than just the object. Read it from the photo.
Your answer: 3:29
